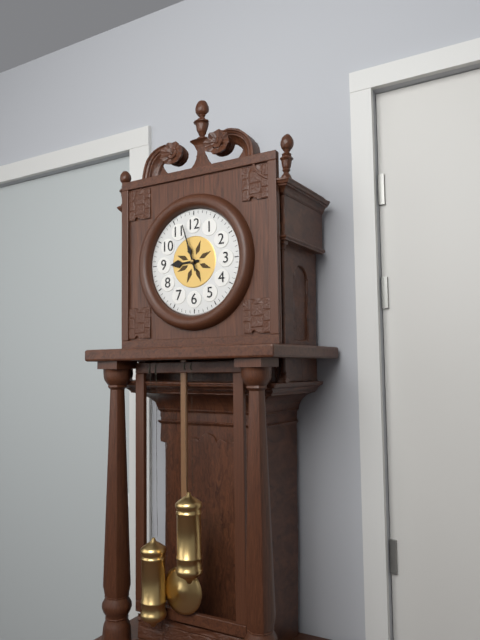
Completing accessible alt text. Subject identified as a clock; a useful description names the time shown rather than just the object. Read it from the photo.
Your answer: 8:57
